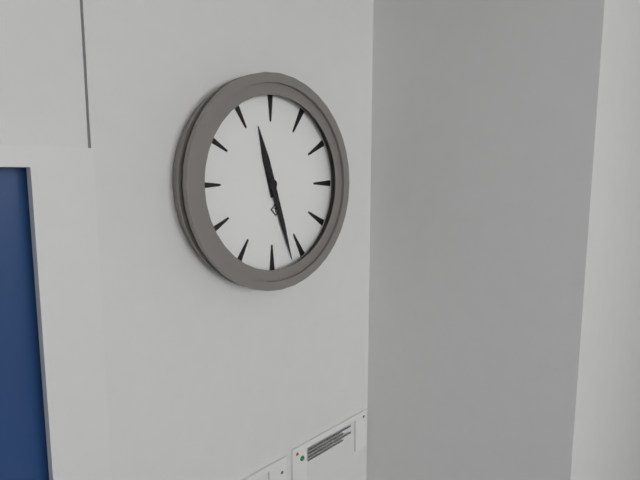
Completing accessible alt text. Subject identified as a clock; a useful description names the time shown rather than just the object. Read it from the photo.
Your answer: 11:27
